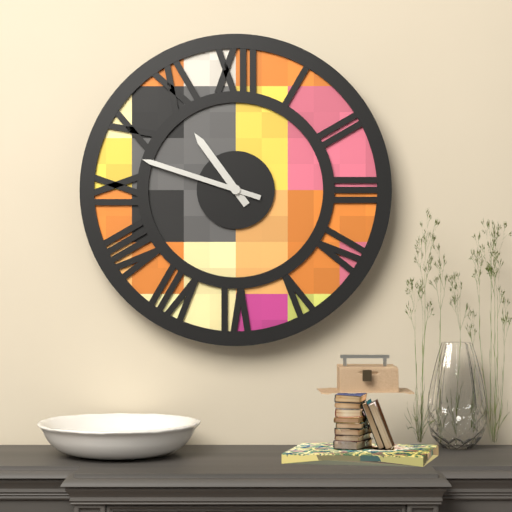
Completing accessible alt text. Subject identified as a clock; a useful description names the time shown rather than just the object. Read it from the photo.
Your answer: 10:48
